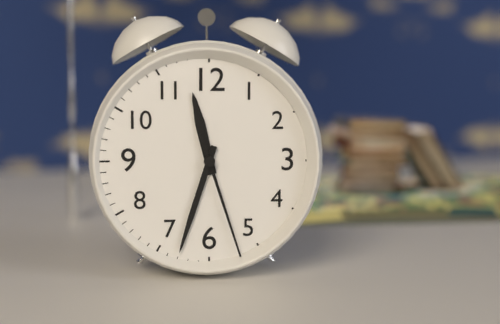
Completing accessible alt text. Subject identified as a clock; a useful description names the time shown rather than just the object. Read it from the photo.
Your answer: 11:33:27
